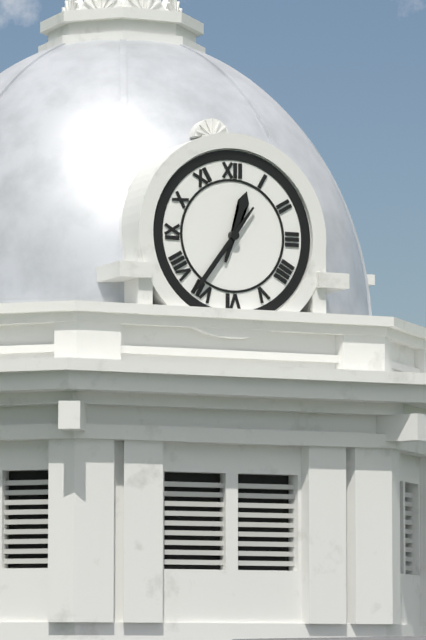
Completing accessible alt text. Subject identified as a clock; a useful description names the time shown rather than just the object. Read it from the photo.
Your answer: 12:36
